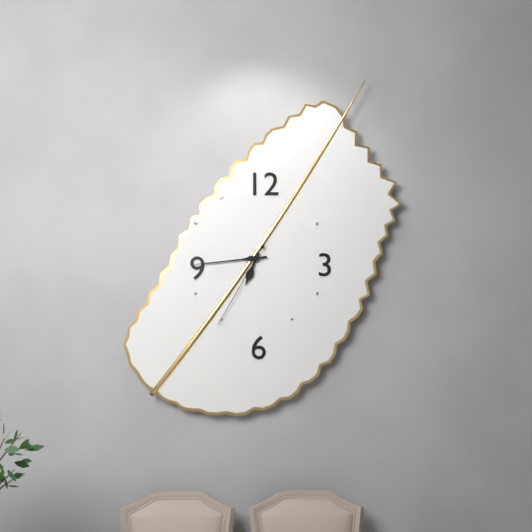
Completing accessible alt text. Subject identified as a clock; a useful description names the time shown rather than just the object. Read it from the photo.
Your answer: 6:44:35
